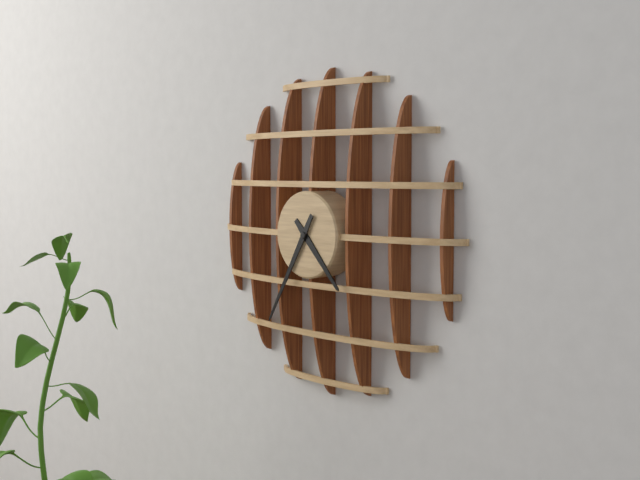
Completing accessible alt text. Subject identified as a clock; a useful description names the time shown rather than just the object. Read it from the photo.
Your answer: 4:35
